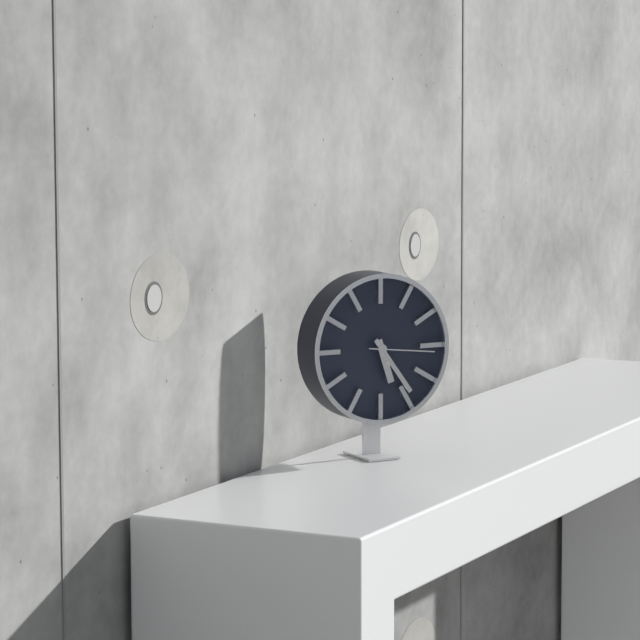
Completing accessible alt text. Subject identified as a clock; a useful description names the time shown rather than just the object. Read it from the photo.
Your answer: 5:24:16
